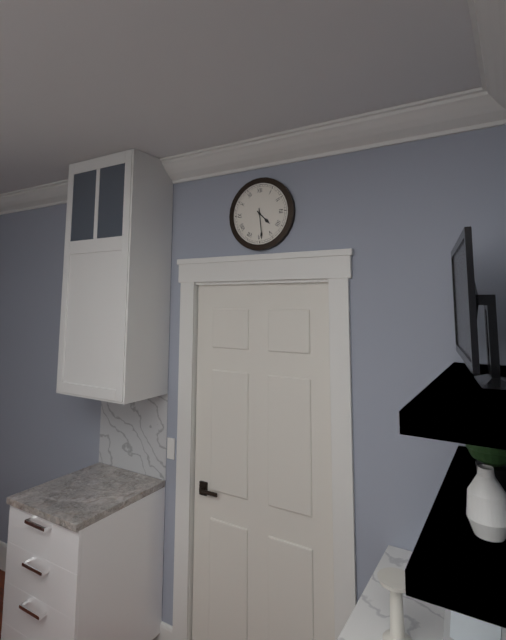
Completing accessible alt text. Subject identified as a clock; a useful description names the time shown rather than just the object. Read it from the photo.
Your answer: 4:29
